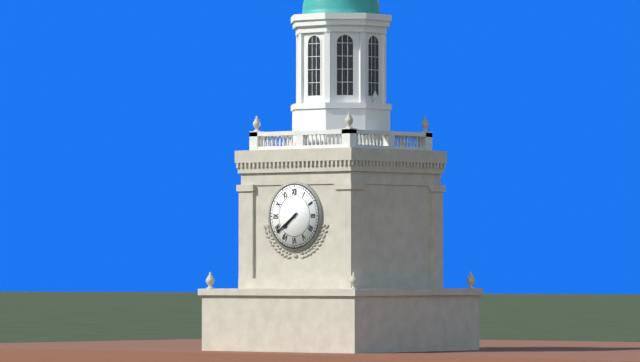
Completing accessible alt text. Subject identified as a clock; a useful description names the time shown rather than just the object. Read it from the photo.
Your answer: 7:39
